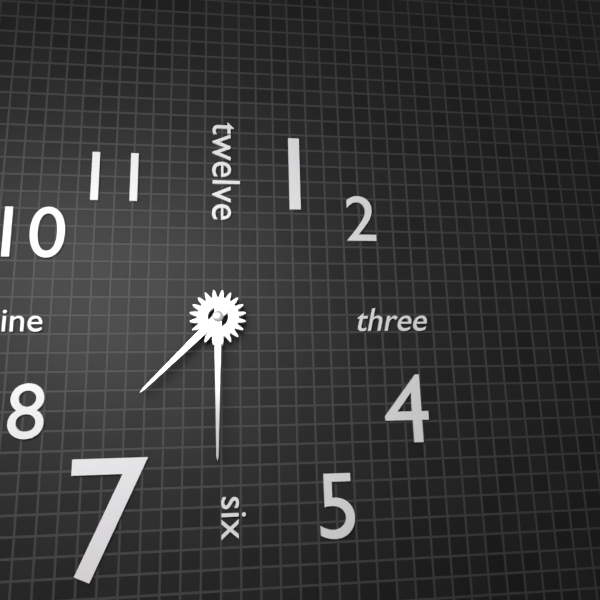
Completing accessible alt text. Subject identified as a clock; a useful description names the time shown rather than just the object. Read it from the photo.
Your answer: 7:30
